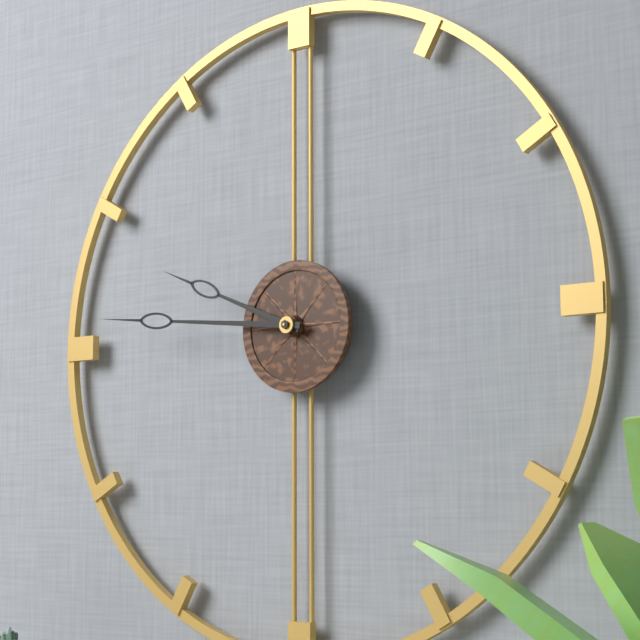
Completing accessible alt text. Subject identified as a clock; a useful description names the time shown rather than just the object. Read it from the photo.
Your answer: 9:46
